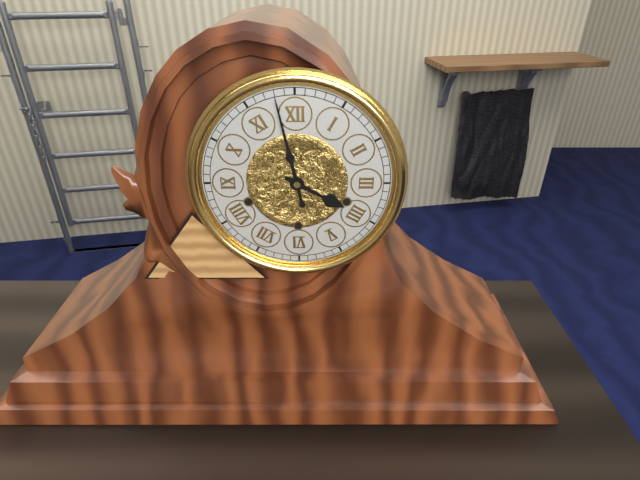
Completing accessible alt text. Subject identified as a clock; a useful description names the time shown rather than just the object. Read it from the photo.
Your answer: 3:58
